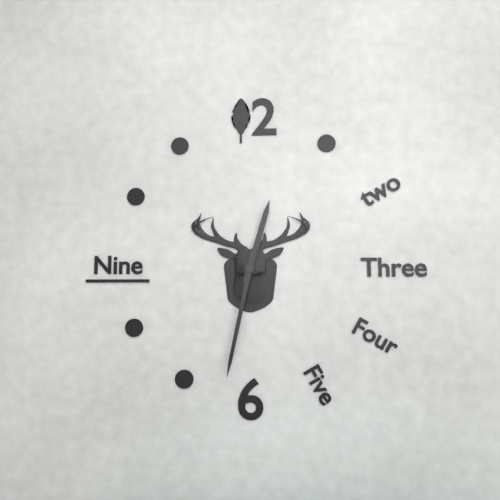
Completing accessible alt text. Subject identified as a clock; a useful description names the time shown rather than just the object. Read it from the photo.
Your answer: 12:32
